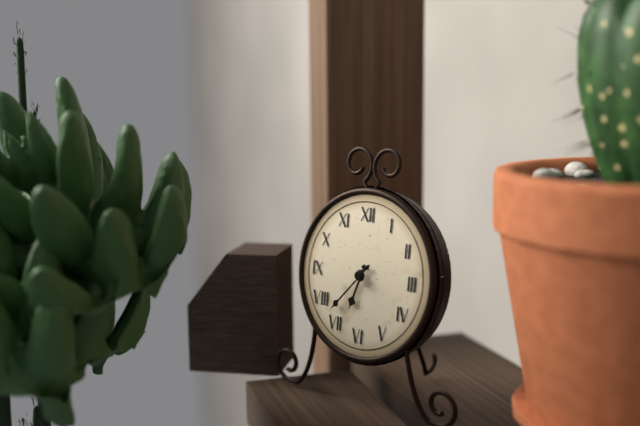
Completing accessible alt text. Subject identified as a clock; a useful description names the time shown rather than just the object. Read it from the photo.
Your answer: 6:37
